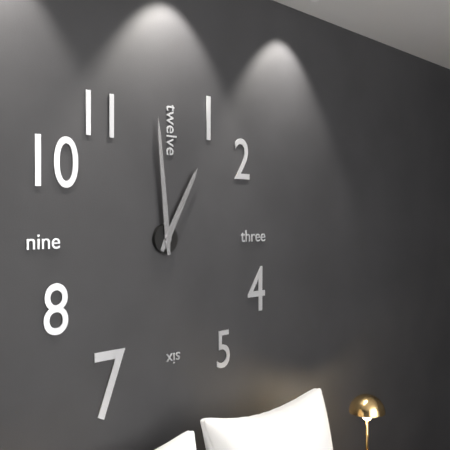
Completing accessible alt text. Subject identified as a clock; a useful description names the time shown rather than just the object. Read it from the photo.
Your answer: 12:59
